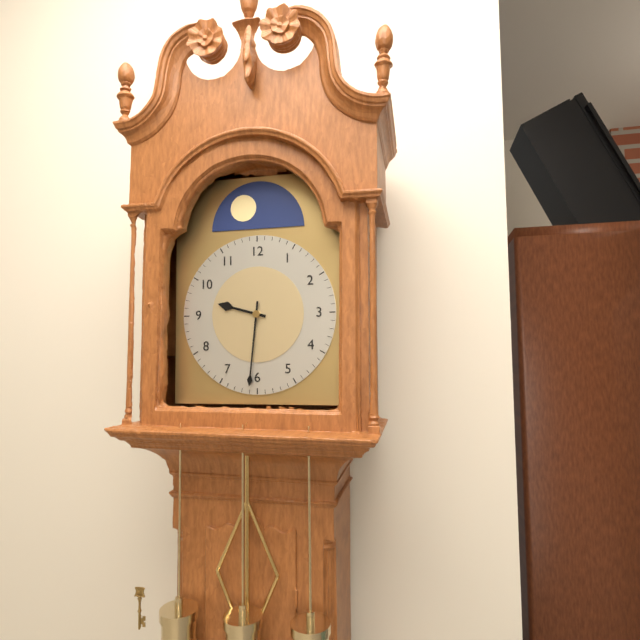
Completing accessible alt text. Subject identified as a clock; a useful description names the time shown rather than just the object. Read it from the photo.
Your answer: 9:31
